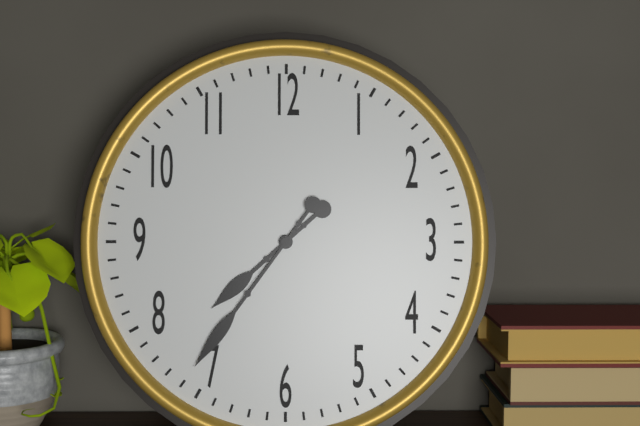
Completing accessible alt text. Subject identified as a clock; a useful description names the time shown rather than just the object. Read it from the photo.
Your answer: 7:36
